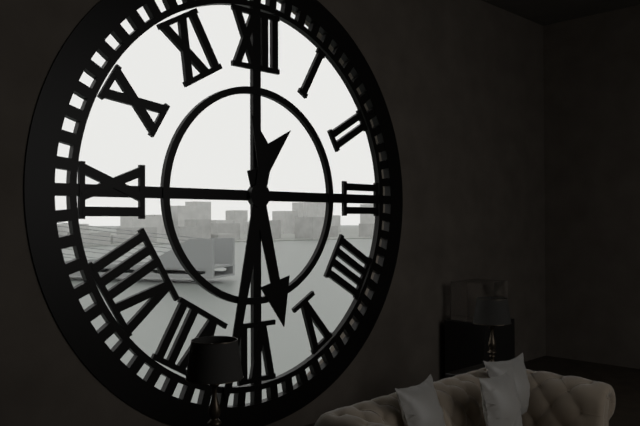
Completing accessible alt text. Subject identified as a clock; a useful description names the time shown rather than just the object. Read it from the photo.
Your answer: 5:32
